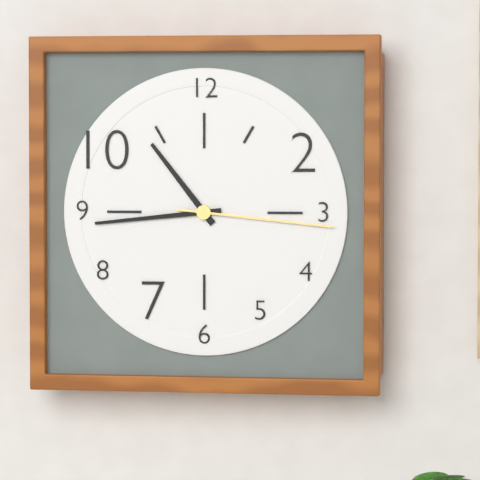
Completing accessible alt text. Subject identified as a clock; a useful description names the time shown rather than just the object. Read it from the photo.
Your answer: 10:44:16
